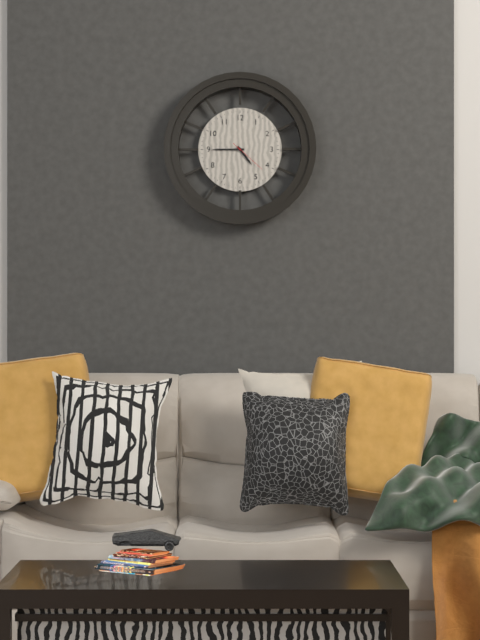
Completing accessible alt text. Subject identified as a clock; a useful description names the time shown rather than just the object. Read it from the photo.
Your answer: 4:45
